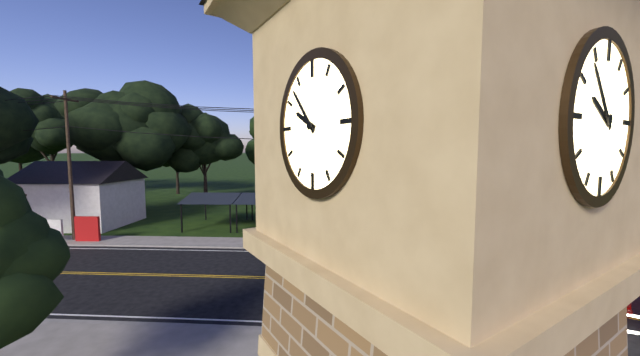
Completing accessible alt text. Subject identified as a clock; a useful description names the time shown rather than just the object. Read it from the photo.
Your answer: 9:53
